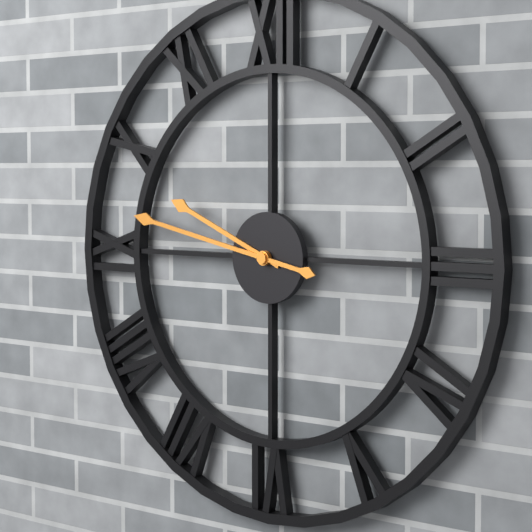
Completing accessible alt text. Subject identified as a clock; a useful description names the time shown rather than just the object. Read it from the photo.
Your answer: 9:47
